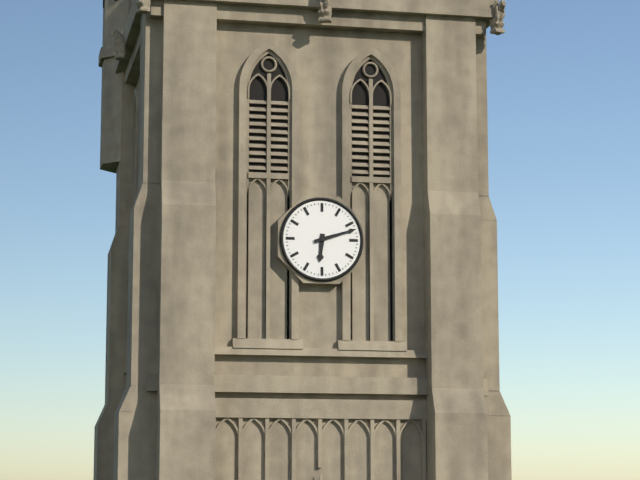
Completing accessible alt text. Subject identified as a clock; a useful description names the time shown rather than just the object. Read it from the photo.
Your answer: 6:12
